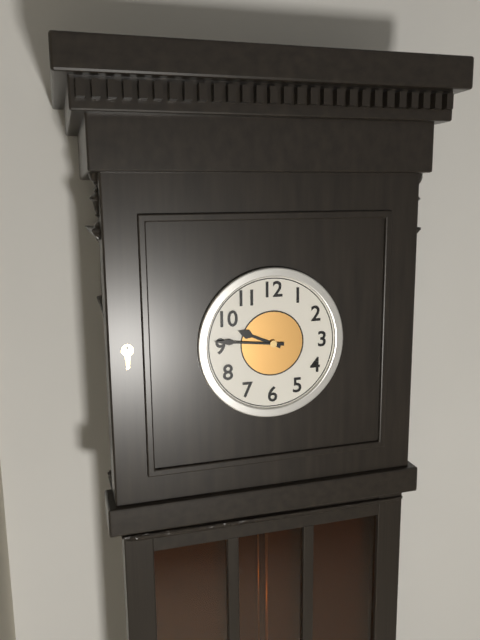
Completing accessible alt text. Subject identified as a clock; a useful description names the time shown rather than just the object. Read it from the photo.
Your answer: 9:46
